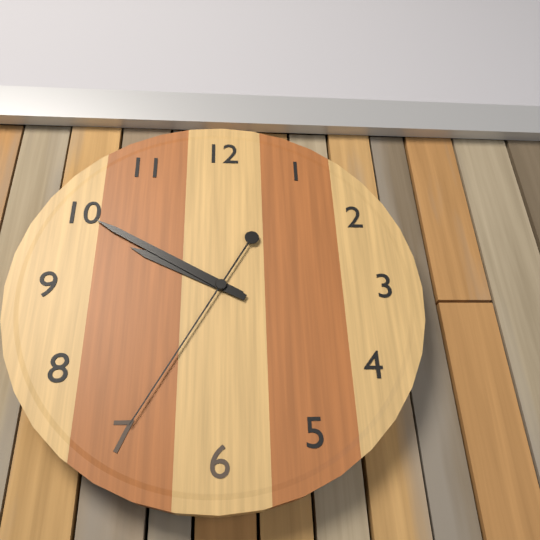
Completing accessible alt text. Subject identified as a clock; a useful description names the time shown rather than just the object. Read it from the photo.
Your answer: 9:50:35
